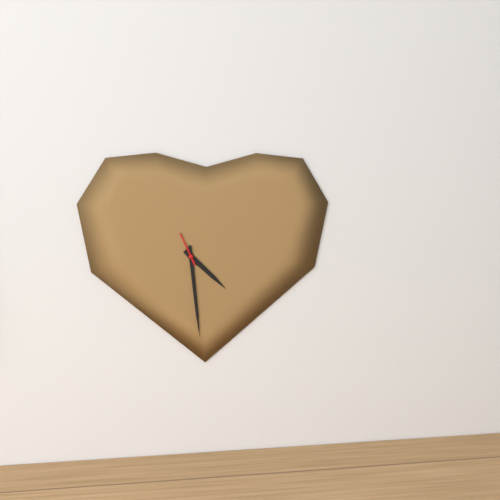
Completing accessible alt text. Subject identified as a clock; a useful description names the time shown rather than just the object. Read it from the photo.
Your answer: 4:29
